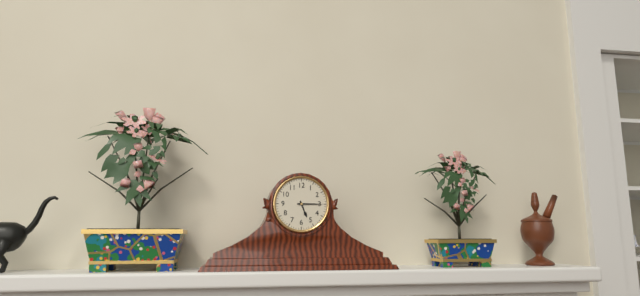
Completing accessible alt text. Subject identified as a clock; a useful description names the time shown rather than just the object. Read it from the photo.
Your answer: 5:15
